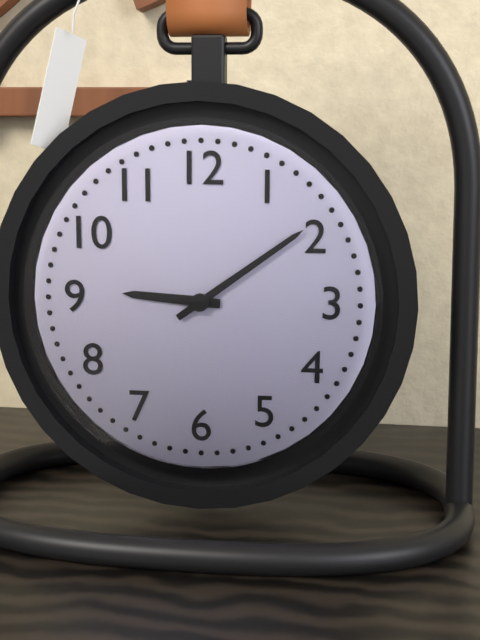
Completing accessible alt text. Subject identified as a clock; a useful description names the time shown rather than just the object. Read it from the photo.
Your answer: 9:09
